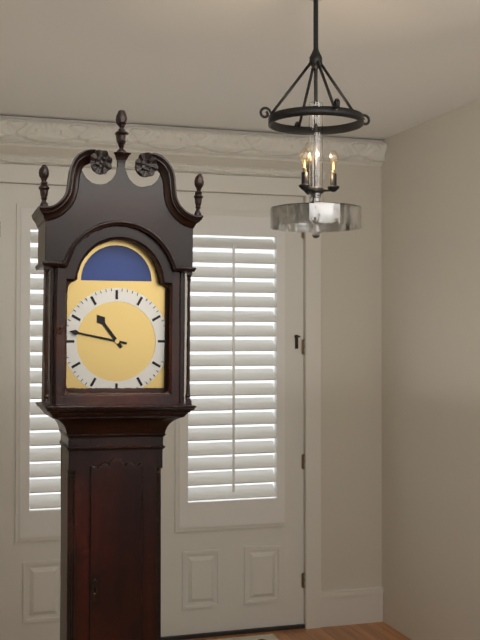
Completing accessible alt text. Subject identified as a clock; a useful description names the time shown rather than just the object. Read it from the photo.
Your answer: 10:47
